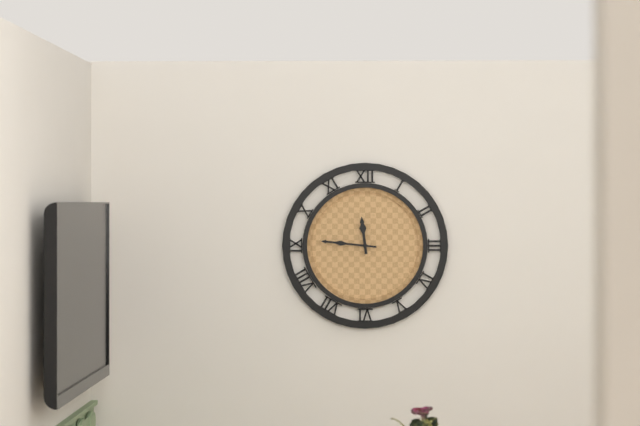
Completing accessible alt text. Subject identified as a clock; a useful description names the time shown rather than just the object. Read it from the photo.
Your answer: 11:46
